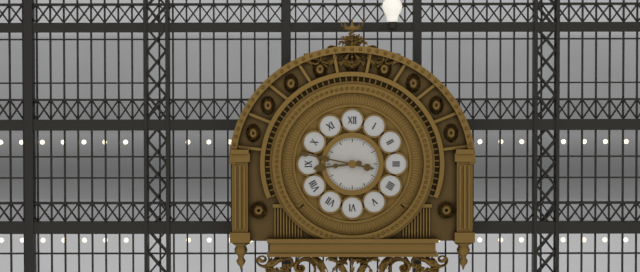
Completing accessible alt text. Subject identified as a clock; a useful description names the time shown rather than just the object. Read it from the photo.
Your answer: 8:47
